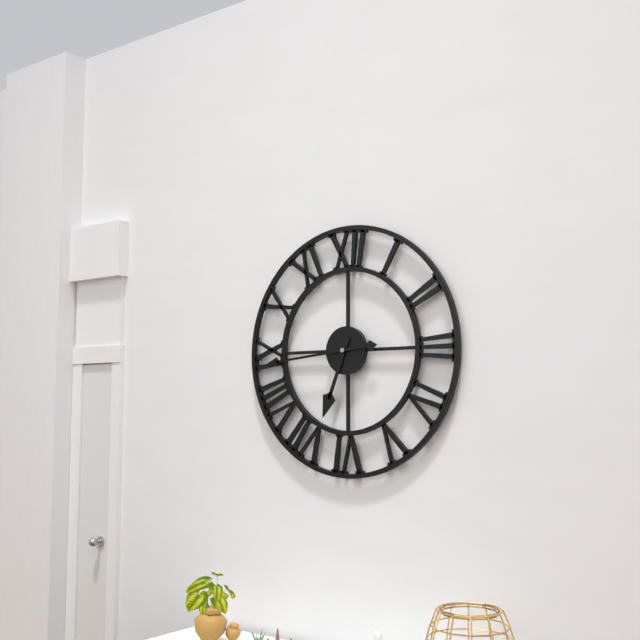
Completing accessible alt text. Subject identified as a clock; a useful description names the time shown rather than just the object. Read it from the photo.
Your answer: 6:44
